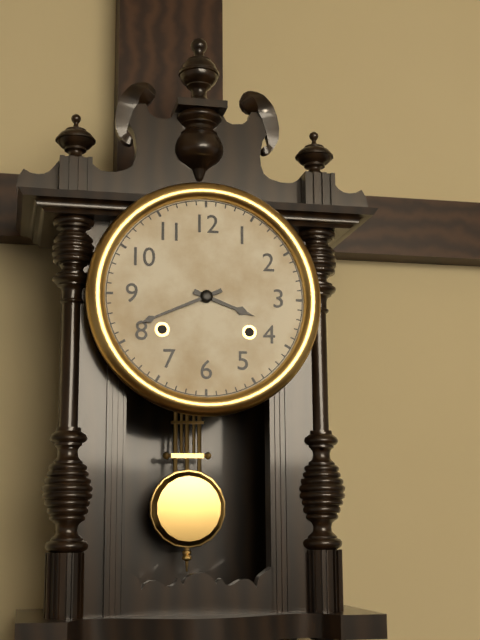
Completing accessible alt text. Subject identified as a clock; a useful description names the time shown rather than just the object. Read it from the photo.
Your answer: 3:41
